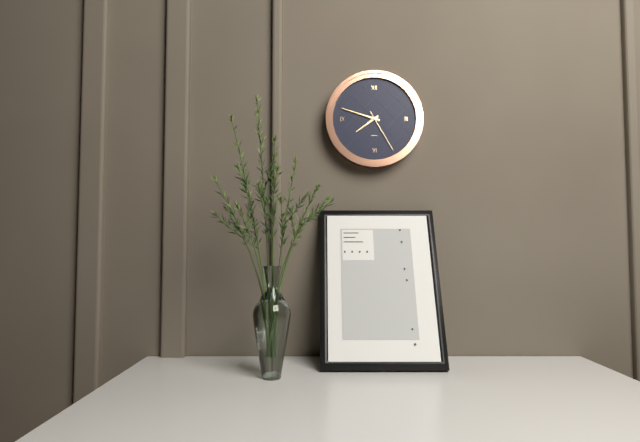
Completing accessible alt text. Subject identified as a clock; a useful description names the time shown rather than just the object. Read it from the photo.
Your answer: 7:48
